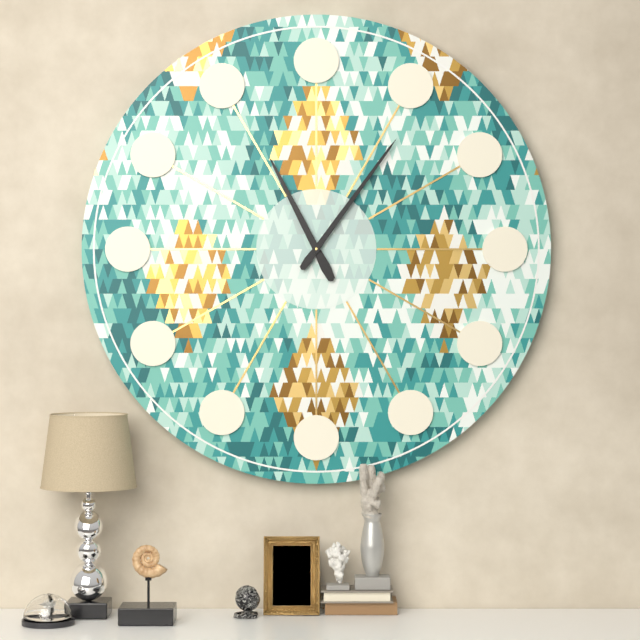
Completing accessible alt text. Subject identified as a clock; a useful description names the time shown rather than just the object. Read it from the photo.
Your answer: 11:06
